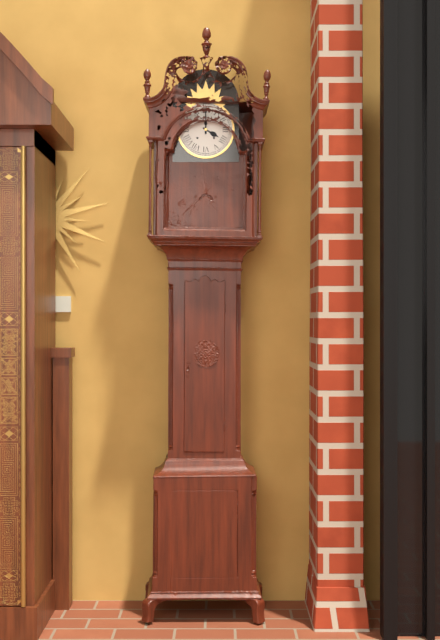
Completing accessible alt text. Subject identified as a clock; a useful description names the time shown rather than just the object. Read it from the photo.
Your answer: 4:00
